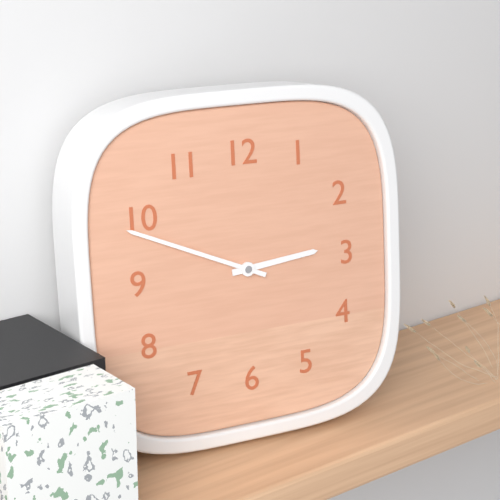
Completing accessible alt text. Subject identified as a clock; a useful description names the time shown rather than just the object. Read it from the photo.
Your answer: 2:49
